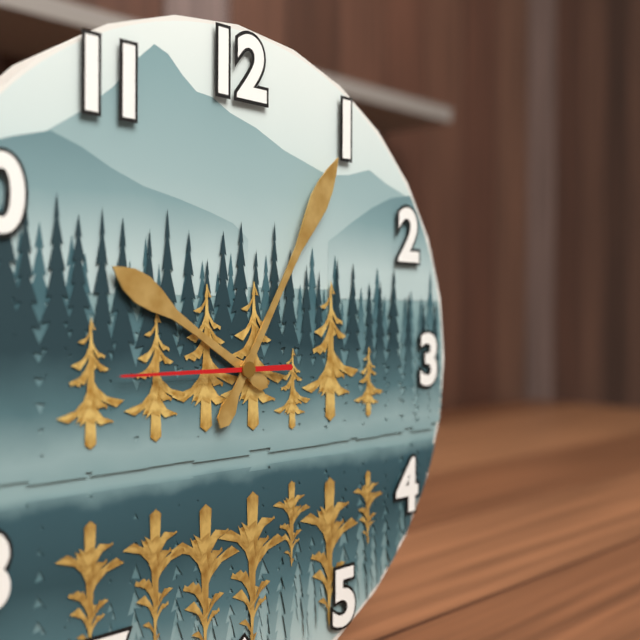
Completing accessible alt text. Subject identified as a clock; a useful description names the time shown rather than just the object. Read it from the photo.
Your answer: 10:05:45
